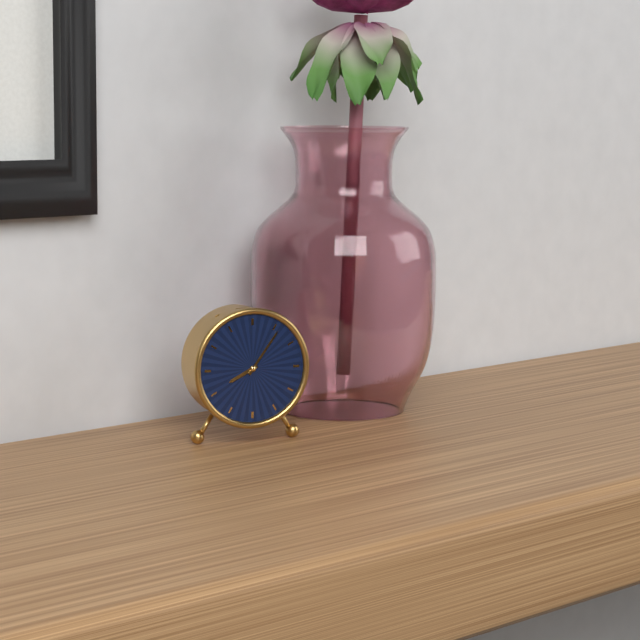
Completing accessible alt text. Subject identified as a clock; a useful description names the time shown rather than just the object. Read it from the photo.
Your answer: 8:06
